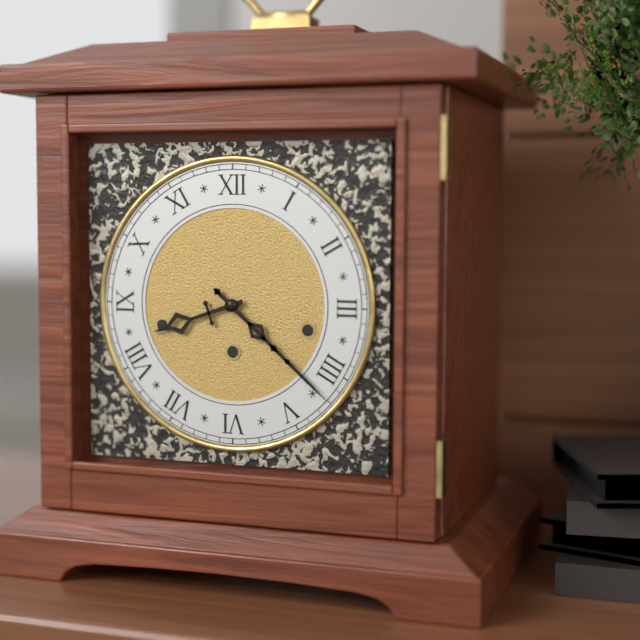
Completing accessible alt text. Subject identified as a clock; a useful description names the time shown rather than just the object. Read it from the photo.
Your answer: 8:22
